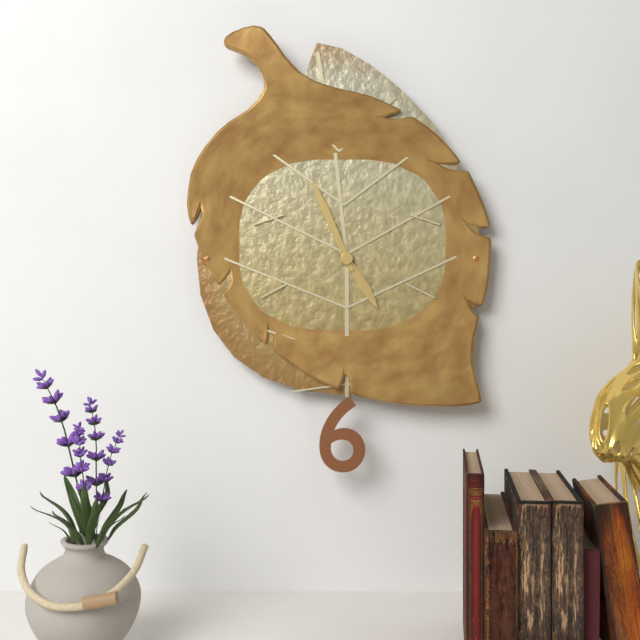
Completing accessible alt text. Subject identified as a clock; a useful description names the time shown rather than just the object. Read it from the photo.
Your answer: 4:56
